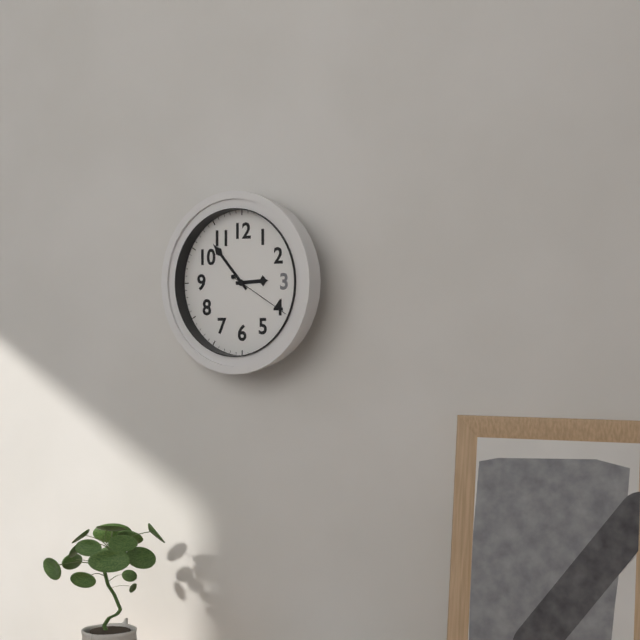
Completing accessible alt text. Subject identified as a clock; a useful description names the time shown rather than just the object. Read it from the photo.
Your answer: 2:53:20
